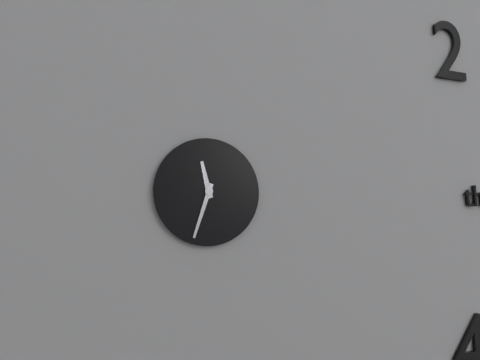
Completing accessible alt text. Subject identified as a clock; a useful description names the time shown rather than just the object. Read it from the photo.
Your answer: 11:33
